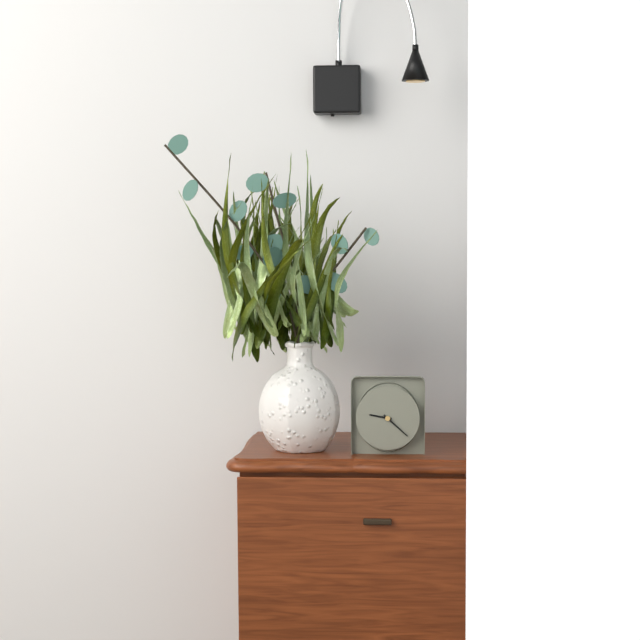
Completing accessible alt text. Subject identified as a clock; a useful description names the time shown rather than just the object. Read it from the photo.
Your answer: 9:22
